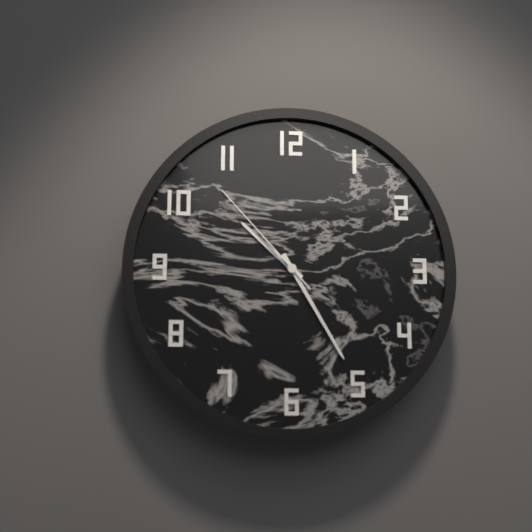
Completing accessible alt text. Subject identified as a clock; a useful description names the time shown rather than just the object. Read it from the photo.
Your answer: 10:25:53
